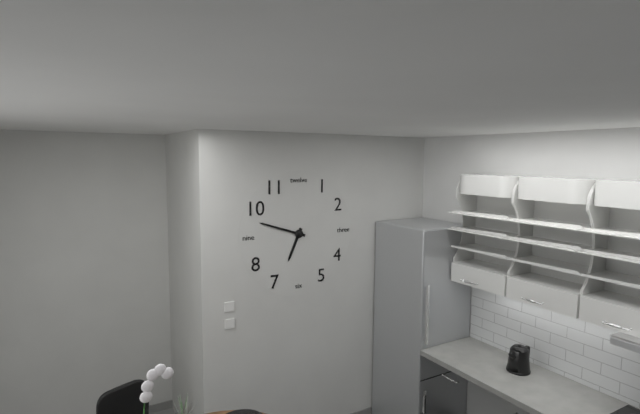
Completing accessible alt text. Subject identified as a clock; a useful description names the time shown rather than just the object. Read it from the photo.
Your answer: 6:48
